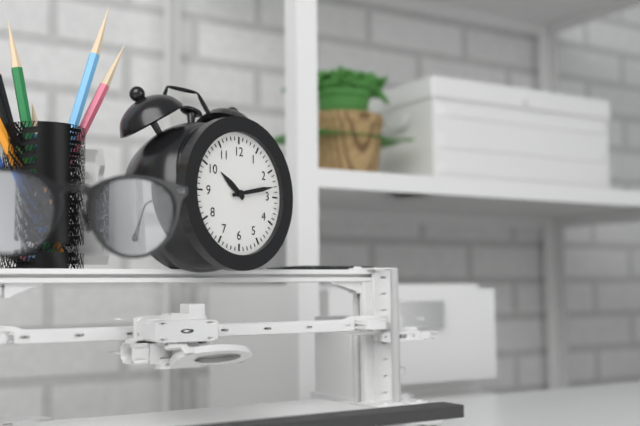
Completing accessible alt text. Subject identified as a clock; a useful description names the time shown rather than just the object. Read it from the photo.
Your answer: 10:13
